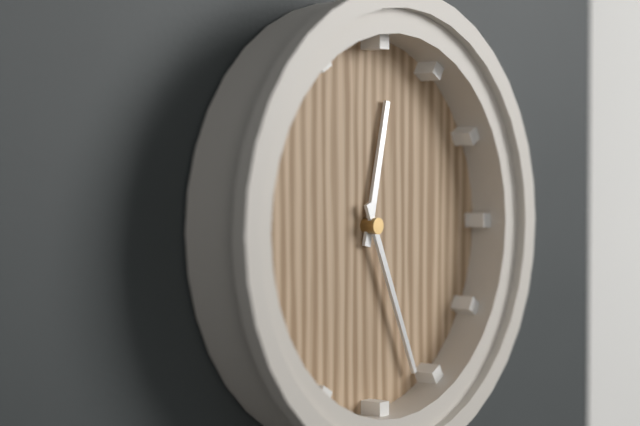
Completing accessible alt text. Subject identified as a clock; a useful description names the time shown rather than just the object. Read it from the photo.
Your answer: 12:26
